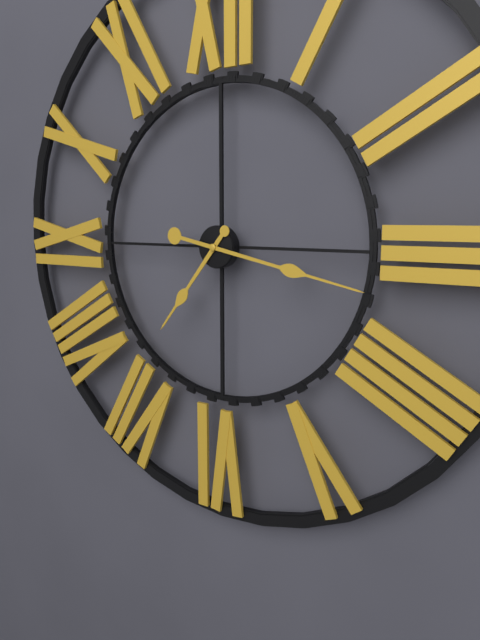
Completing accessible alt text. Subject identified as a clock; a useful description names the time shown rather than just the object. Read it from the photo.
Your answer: 7:17
